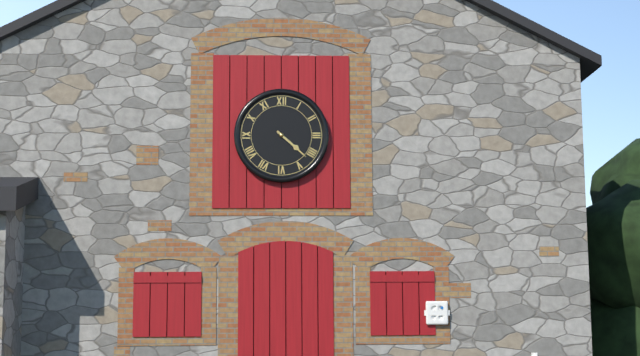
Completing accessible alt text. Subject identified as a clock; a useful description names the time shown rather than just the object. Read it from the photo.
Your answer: 4:22
